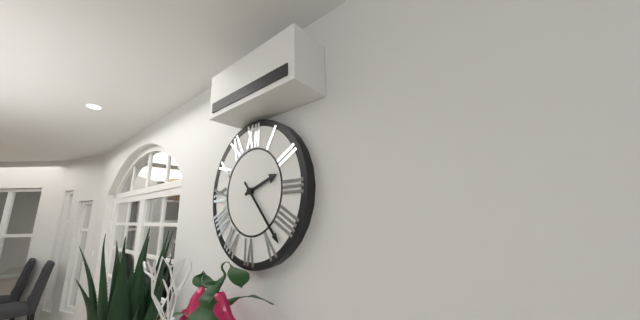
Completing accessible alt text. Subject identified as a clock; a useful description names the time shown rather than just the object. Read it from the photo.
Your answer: 2:23
